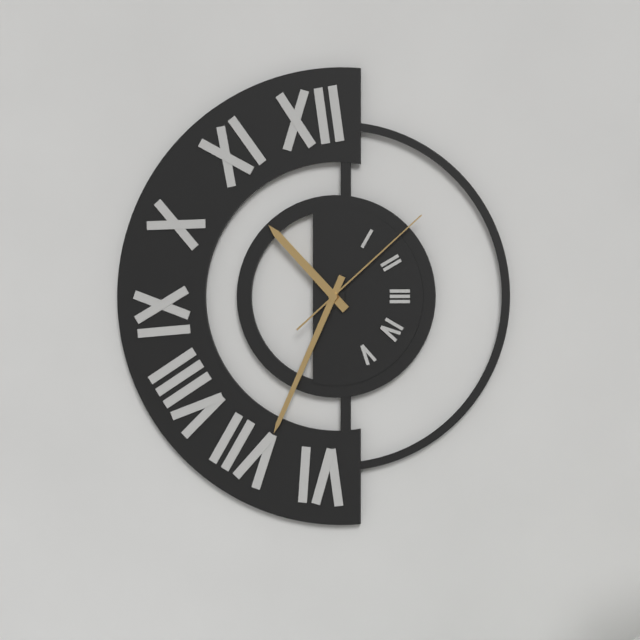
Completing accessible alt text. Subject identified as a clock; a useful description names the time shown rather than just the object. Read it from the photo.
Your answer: 10:34:08
